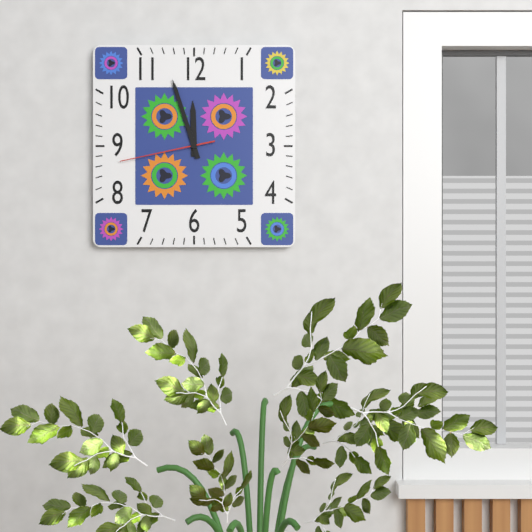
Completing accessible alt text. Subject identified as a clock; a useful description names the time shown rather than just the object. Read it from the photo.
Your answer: 11:57:43
